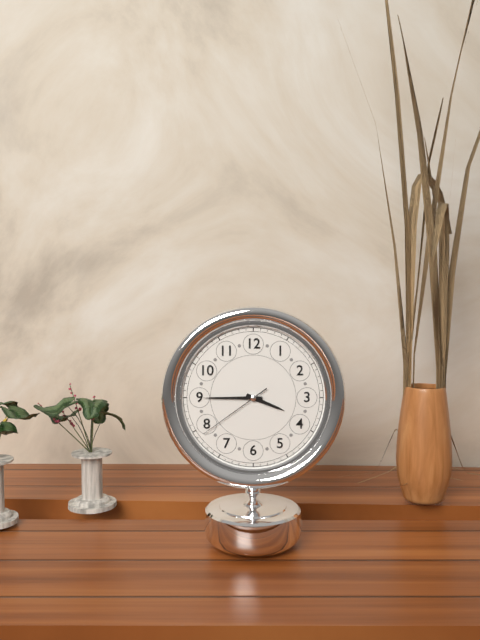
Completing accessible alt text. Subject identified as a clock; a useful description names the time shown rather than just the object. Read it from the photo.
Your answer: 3:45:39
